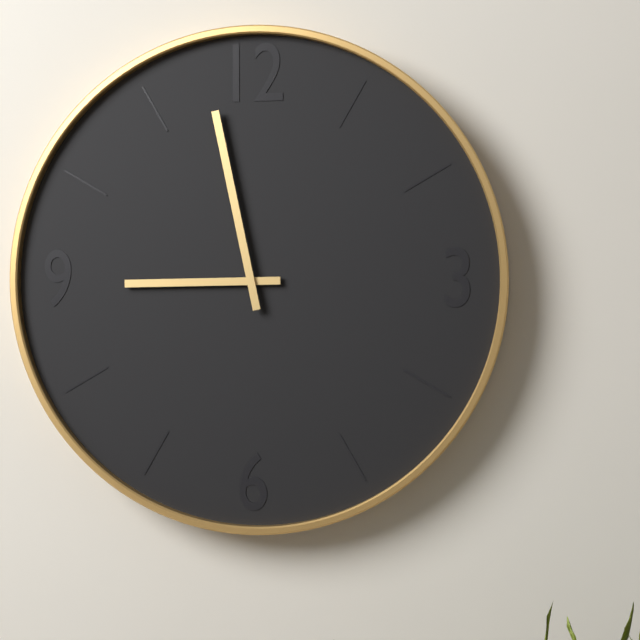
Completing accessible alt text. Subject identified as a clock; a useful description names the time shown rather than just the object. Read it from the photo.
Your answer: 8:58
